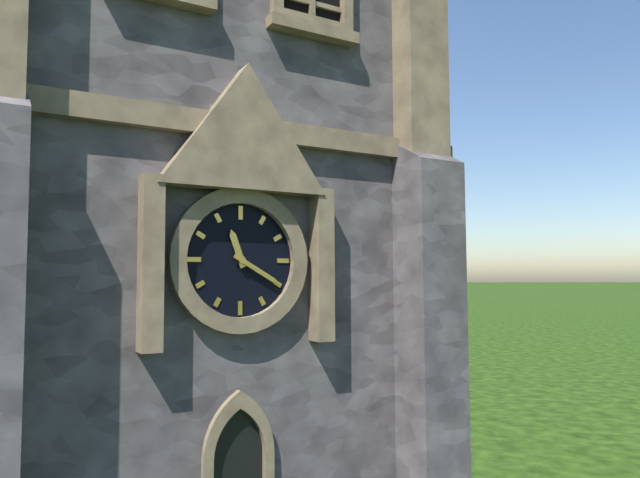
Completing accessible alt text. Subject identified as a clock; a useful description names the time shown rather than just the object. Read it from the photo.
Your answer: 11:20
